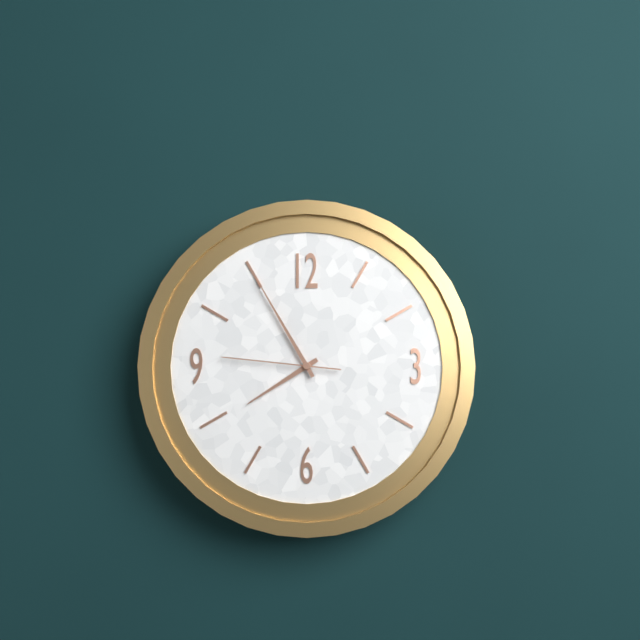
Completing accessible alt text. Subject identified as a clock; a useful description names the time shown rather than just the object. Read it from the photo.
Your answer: 7:55:46
